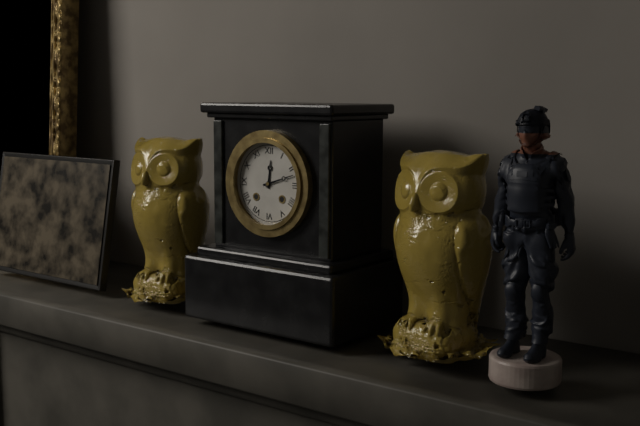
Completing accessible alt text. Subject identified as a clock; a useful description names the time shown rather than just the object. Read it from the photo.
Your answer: 12:12
